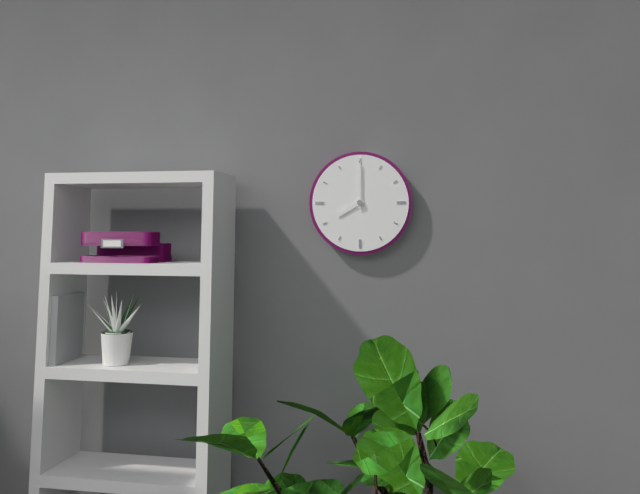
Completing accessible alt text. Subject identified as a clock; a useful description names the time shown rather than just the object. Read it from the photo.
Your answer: 8:00
